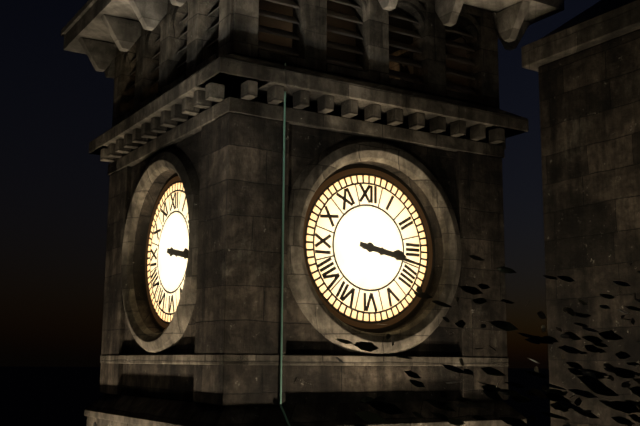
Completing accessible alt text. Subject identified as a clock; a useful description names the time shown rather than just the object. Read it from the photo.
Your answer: 3:17
